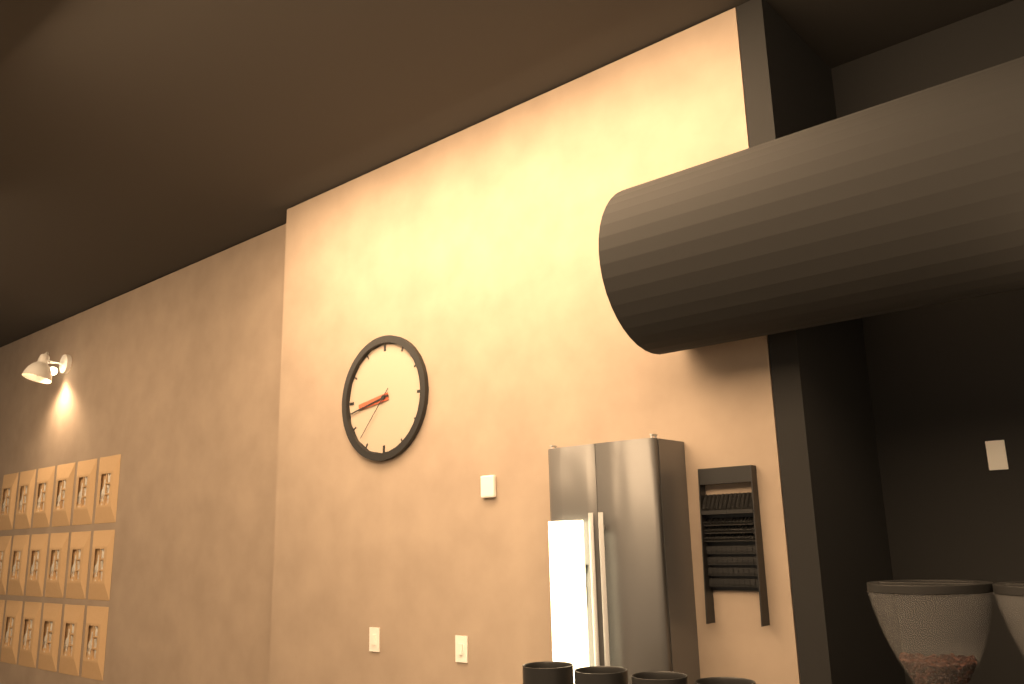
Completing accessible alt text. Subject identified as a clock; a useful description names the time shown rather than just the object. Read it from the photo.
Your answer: 8:43:37
